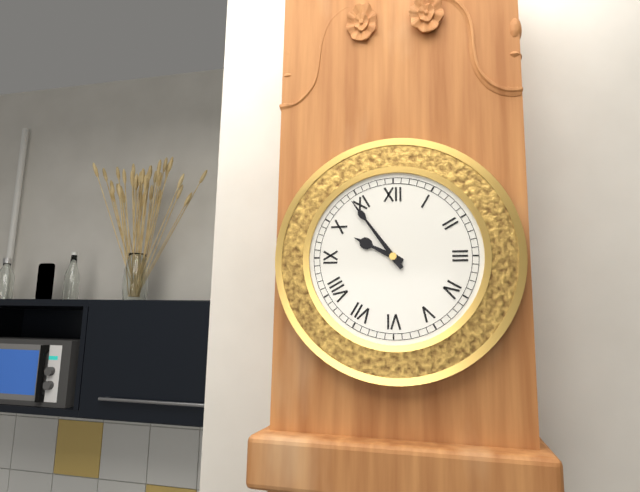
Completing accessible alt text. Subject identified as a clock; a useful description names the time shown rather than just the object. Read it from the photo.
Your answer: 9:54
